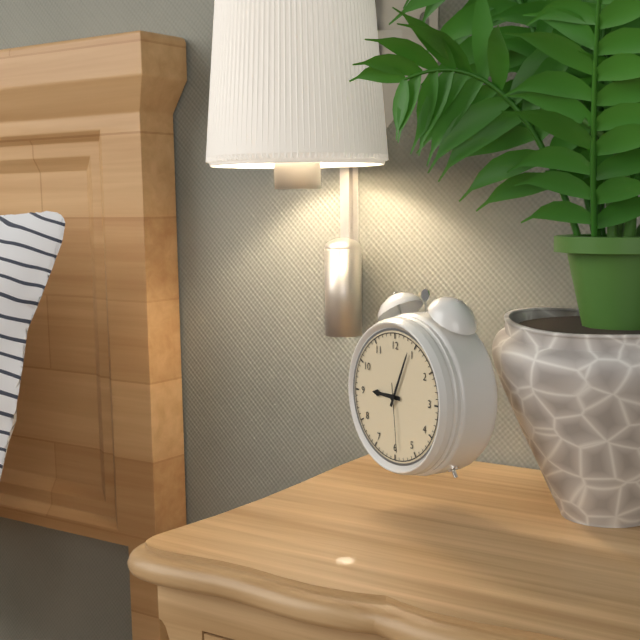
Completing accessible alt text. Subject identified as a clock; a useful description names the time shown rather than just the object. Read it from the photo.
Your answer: 9:04:29
